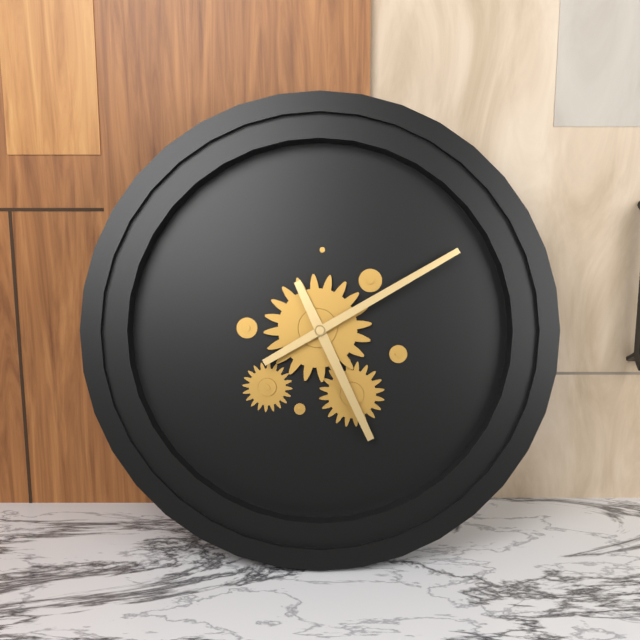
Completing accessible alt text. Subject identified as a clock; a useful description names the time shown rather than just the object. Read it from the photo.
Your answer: 5:10
